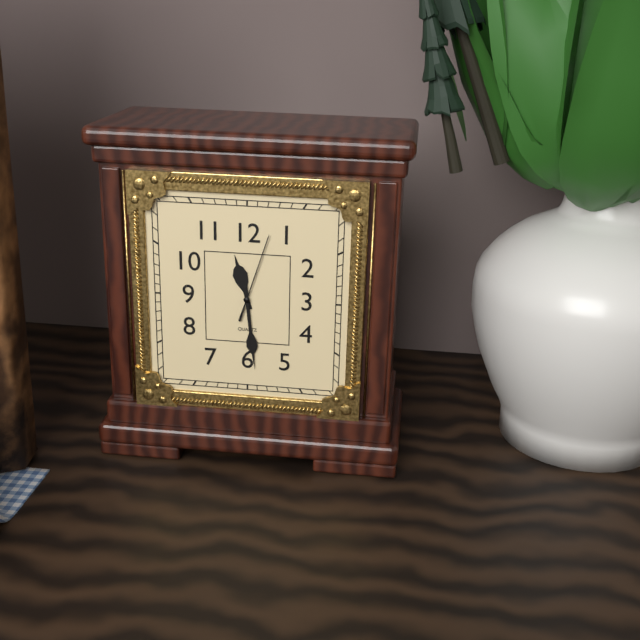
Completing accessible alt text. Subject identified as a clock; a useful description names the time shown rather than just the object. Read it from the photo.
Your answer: 11:29:03
